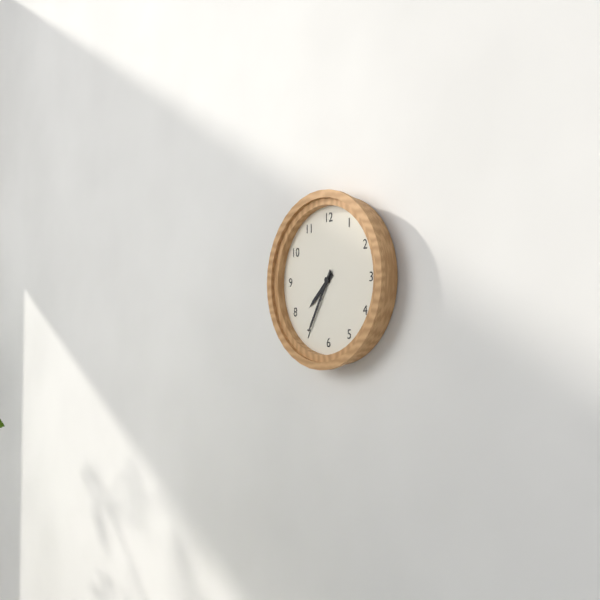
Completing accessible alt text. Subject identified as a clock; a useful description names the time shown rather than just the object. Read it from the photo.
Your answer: 7:35
